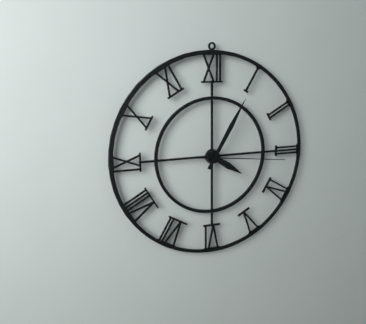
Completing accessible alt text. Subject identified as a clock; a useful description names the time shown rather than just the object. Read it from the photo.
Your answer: 4:05:16
